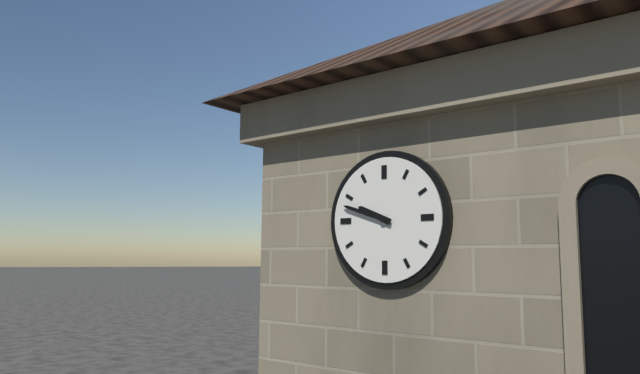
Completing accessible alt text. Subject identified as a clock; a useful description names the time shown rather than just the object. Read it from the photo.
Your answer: 9:48
